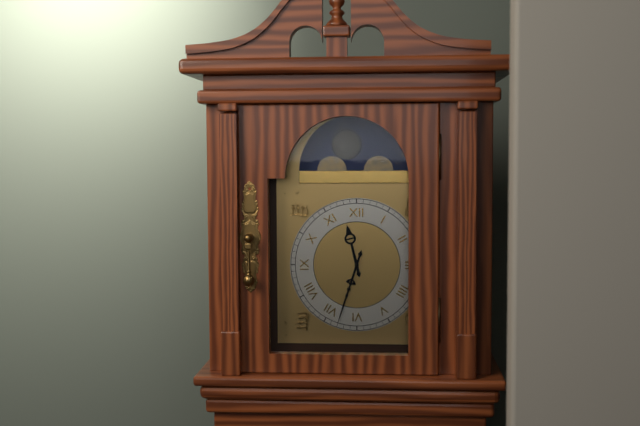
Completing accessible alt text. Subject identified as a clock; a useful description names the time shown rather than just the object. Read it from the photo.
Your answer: 11:33
